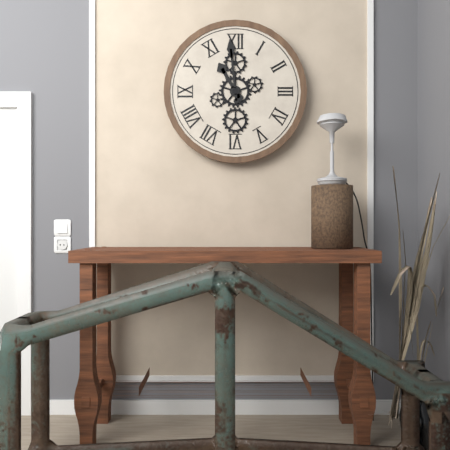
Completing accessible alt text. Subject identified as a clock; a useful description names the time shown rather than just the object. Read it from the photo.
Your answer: 10:59
